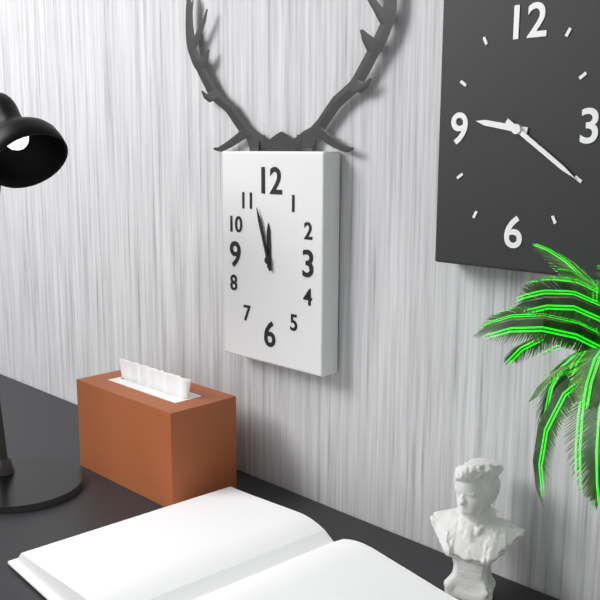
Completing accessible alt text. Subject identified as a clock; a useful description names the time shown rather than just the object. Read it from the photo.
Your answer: 11:57
